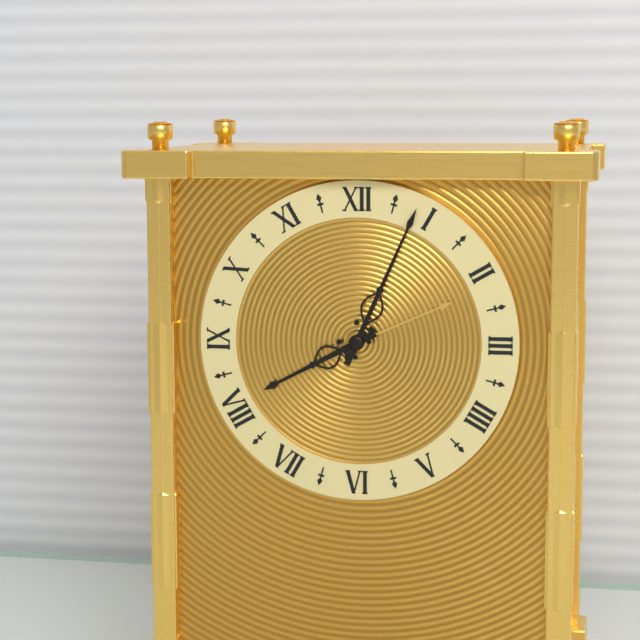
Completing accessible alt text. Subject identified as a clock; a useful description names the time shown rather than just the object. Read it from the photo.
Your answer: 8:04
